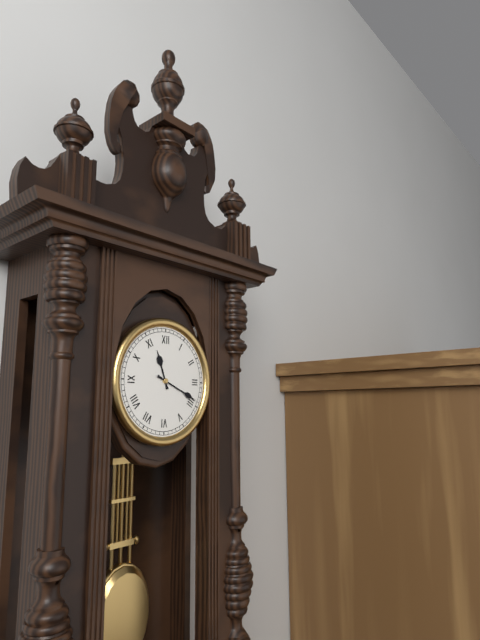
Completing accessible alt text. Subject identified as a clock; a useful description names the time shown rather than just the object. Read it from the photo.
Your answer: 11:19
